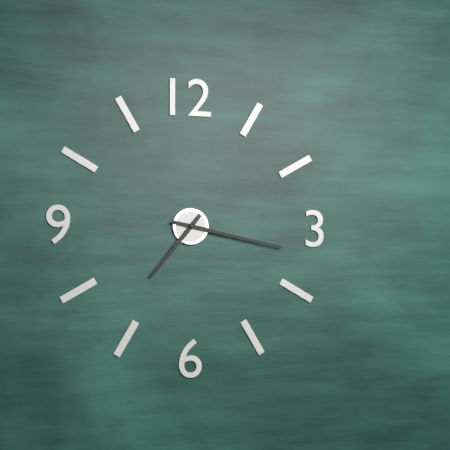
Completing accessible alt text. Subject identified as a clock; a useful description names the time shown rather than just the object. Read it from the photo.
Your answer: 7:17
